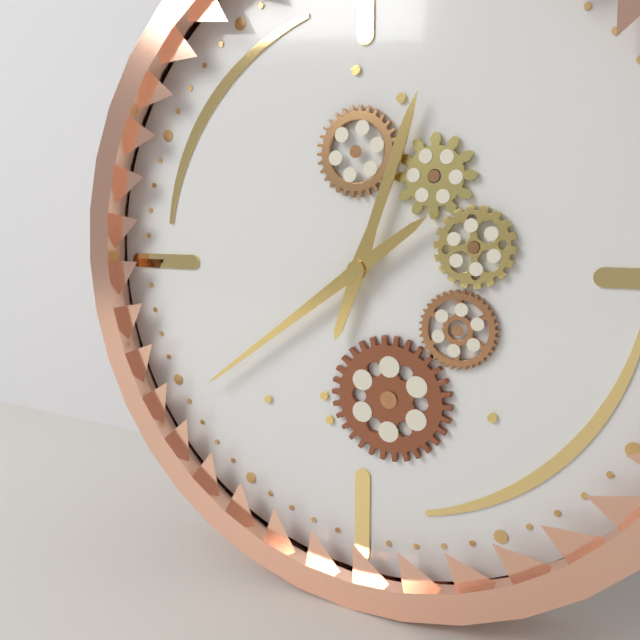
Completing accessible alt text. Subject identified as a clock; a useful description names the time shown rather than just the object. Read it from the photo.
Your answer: 12:39
